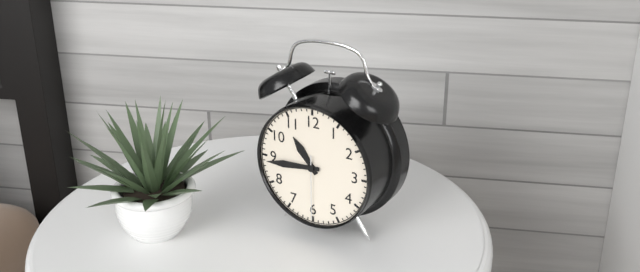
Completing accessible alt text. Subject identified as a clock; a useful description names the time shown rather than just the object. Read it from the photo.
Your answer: 10:44:30
